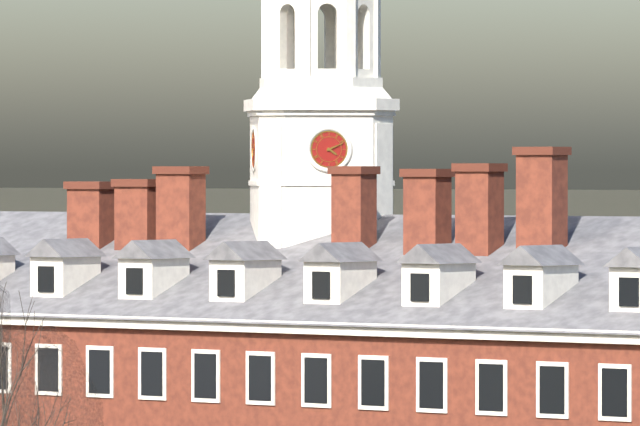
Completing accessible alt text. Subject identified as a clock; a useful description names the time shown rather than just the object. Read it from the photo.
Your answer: 4:11
